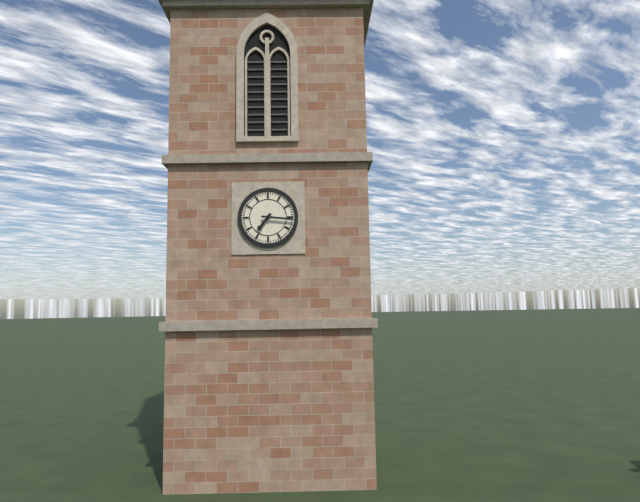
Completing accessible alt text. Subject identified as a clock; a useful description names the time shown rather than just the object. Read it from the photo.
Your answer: 7:16
